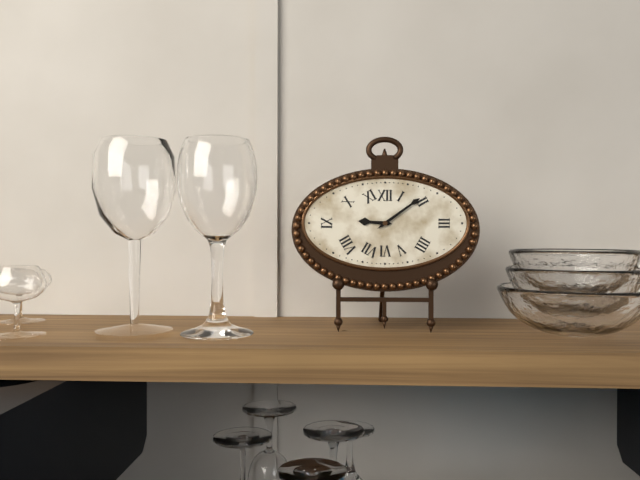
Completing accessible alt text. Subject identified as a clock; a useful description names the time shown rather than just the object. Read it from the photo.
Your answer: 9:09
